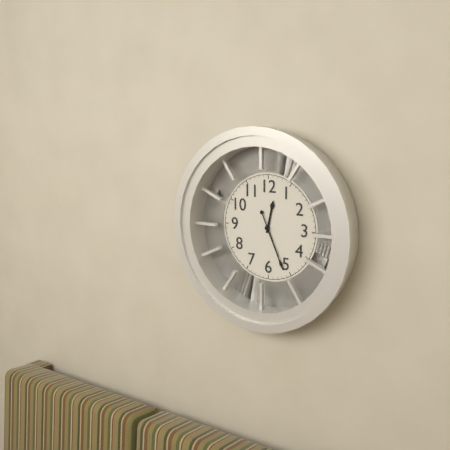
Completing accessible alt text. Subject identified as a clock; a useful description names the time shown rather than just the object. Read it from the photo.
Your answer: 12:26
